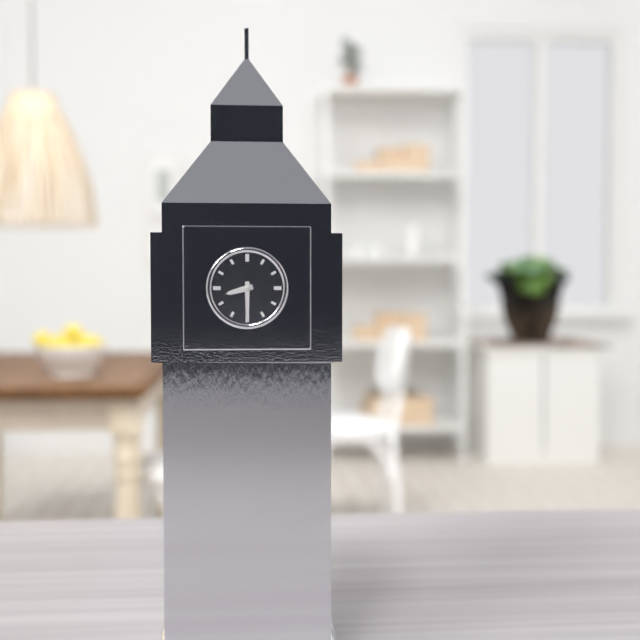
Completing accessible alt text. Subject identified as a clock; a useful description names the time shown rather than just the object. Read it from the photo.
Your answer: 8:30
